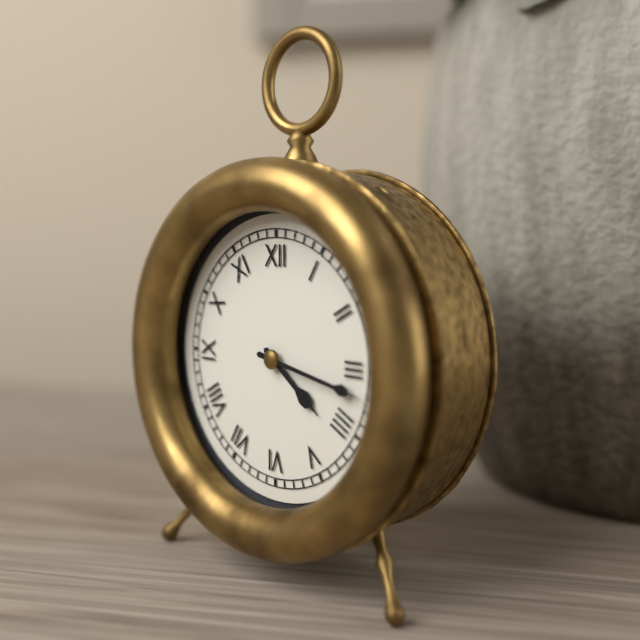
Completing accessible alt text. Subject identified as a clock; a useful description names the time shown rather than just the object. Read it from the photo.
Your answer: 4:17
